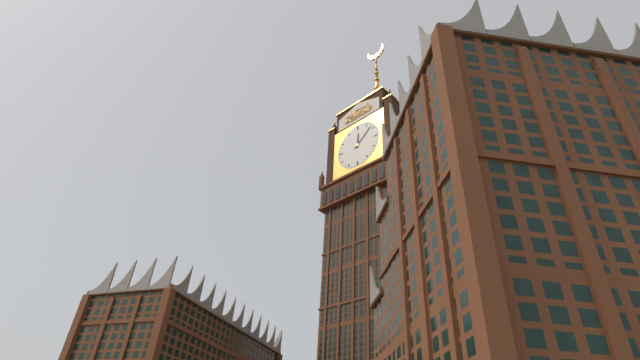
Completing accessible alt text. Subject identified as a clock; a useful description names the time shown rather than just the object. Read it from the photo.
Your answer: 12:08
